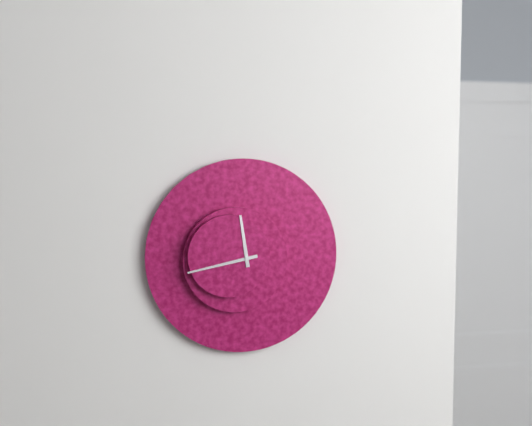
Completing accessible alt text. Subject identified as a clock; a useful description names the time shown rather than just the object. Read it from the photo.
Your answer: 11:43
